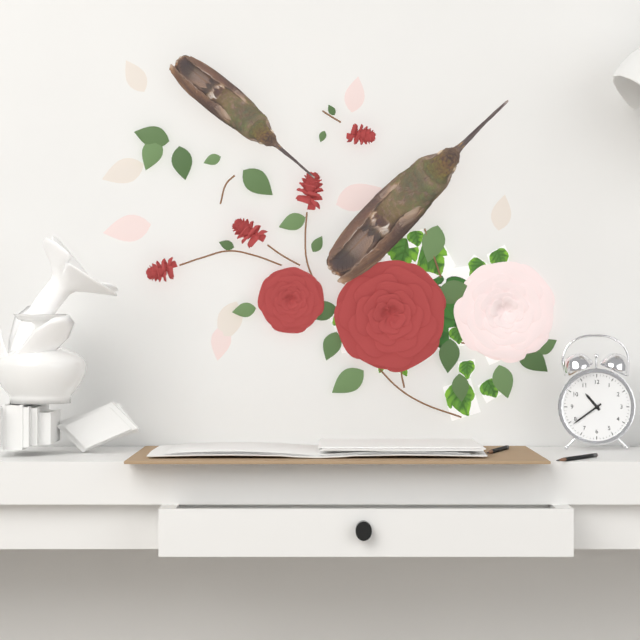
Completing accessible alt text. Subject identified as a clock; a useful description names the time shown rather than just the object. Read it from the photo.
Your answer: 10:39
